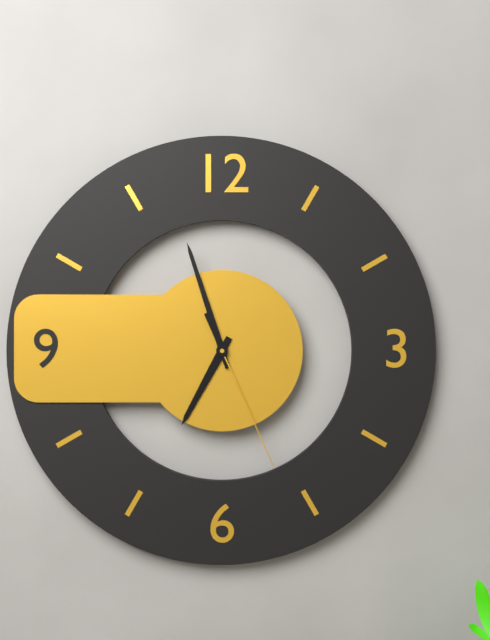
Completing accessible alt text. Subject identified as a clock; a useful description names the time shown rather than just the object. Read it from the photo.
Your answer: 6:57:26
